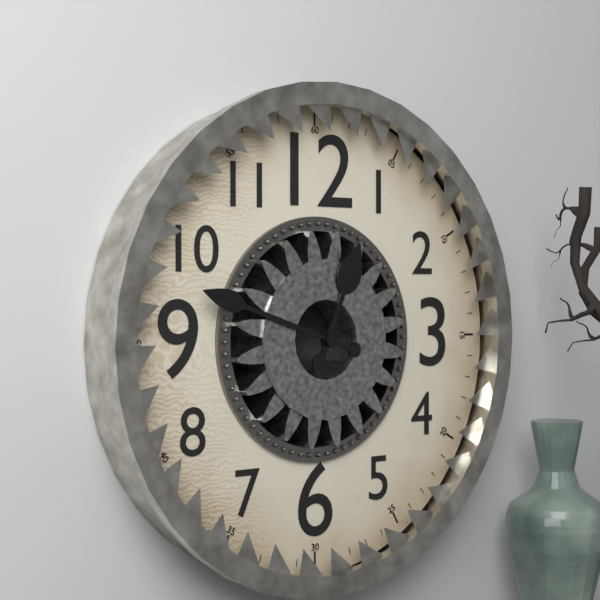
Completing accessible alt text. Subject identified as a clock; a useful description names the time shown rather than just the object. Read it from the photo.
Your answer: 12:48
